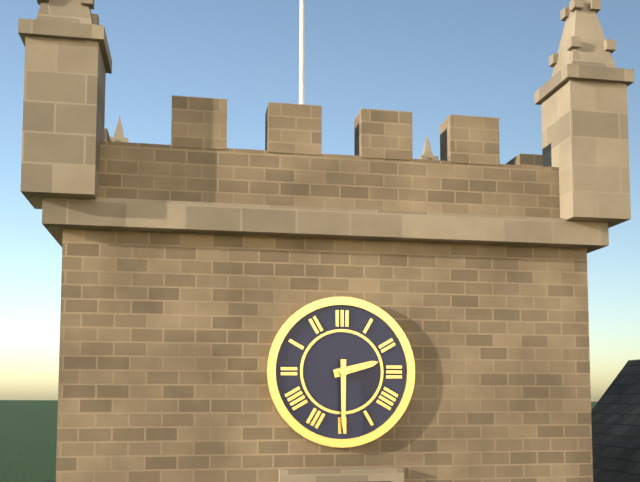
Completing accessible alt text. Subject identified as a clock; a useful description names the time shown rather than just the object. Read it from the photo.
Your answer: 2:30
